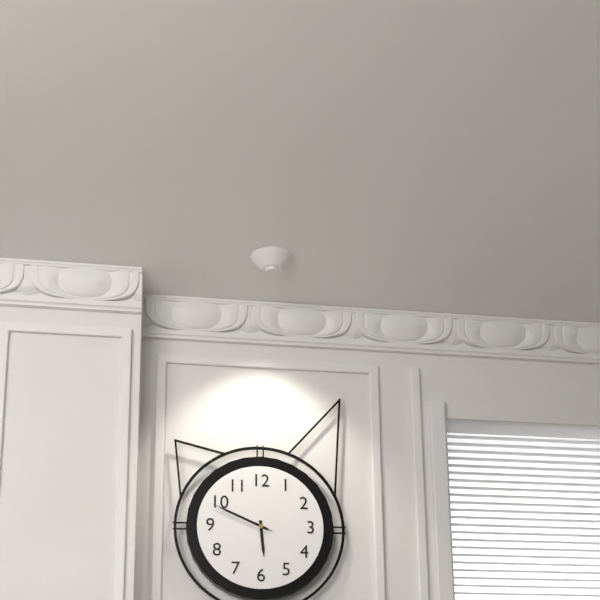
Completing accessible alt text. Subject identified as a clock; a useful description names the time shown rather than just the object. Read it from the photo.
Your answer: 5:49:49
